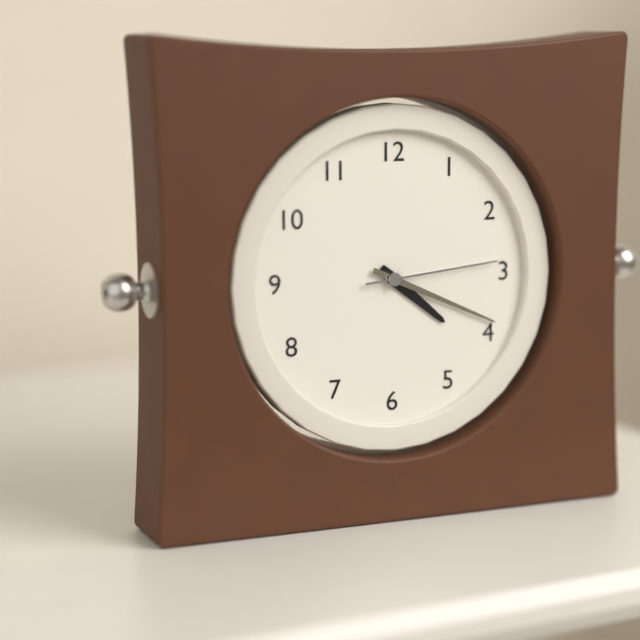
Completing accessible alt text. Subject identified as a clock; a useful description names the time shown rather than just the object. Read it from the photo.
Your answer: 4:19:14
